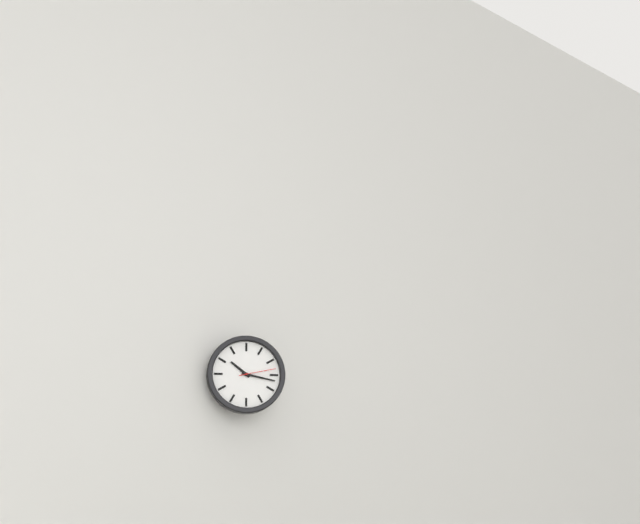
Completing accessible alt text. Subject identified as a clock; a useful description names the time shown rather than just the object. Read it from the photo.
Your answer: 10:17
